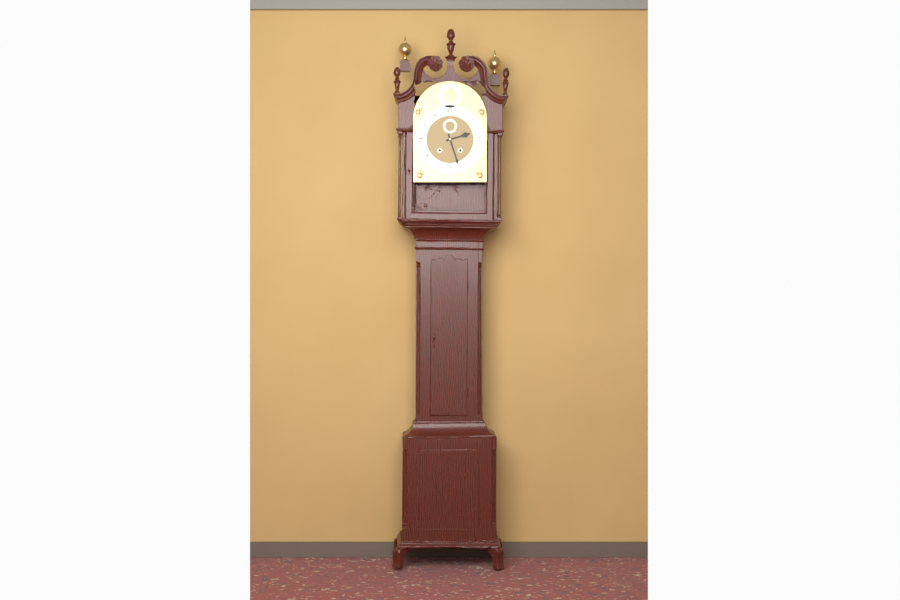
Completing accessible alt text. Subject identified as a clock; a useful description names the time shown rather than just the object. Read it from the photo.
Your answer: 2:27
